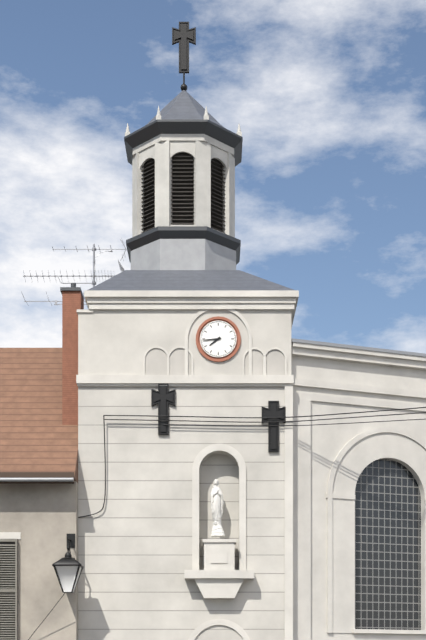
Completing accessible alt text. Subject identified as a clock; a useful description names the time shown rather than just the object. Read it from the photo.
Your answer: 7:44
